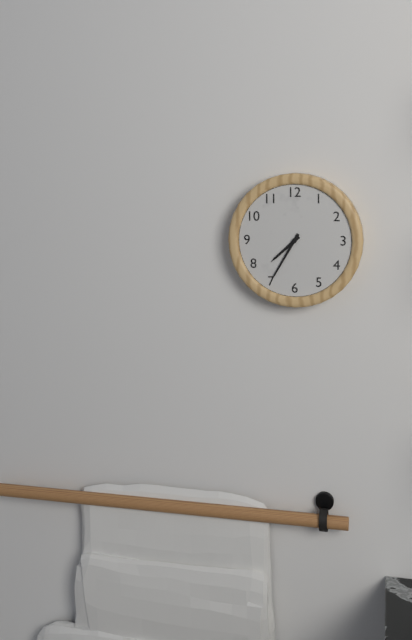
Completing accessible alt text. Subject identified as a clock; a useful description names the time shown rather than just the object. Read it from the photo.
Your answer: 7:35
